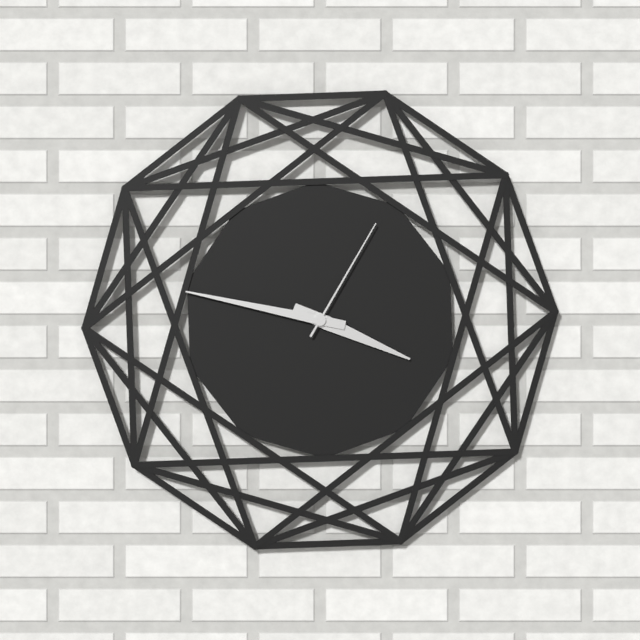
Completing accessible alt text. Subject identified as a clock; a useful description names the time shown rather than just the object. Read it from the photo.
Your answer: 3:47:05
